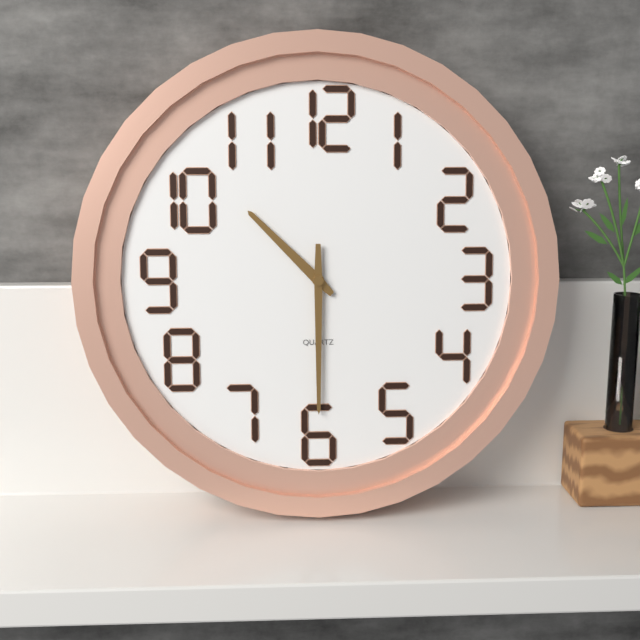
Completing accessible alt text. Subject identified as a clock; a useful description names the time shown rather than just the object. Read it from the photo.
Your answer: 10:30
